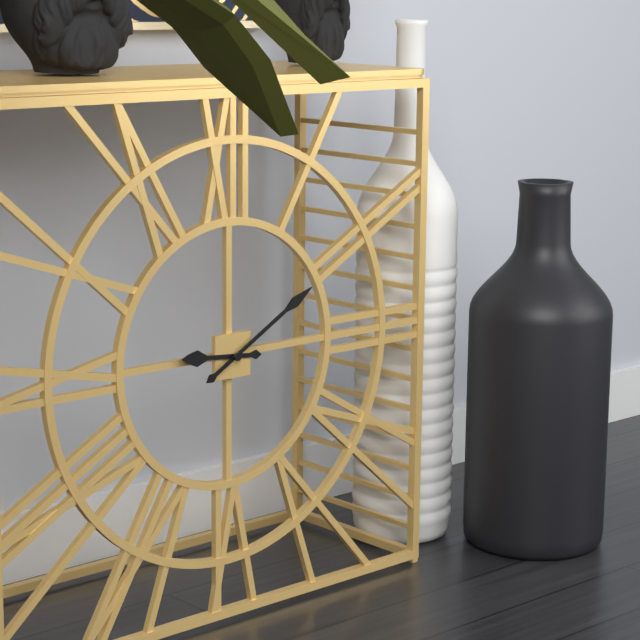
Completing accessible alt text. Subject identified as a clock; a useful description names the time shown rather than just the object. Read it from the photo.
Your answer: 9:10
